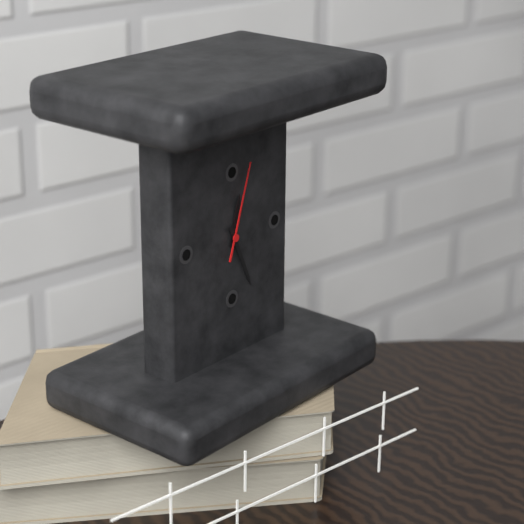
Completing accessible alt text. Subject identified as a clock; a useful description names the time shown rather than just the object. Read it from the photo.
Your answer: 12:26:03
